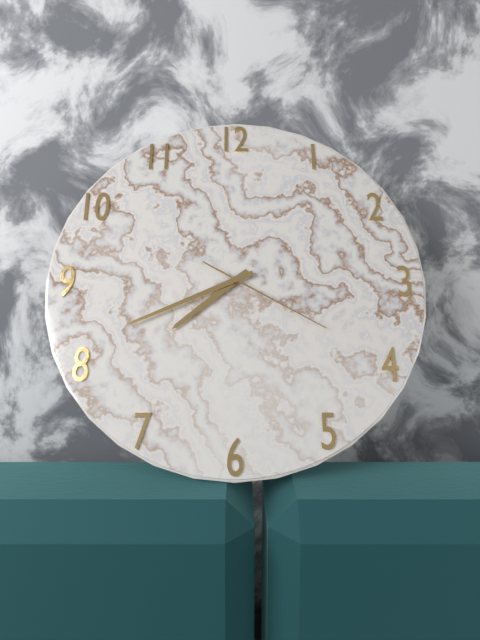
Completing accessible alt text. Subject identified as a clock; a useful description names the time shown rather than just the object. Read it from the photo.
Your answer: 7:41:20
